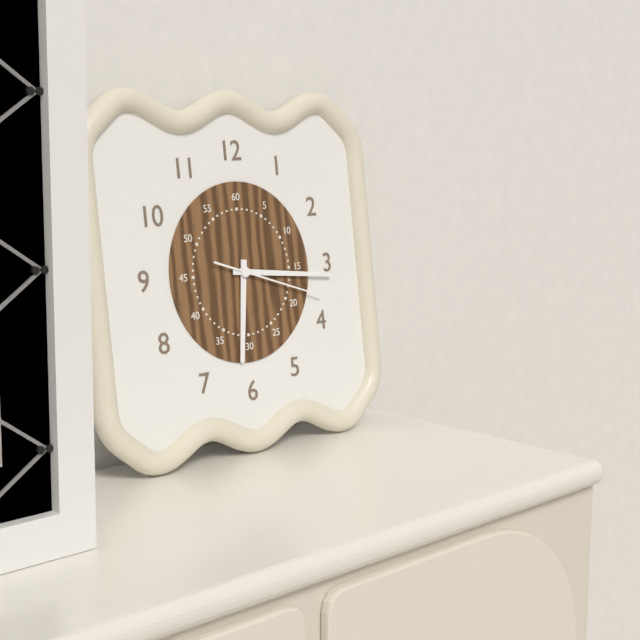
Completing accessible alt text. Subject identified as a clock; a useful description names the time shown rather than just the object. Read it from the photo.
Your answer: 6:16:18
